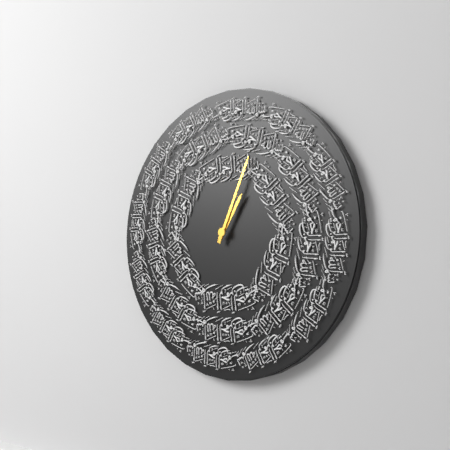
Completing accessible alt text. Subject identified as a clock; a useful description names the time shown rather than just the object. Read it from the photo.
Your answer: 1:04
